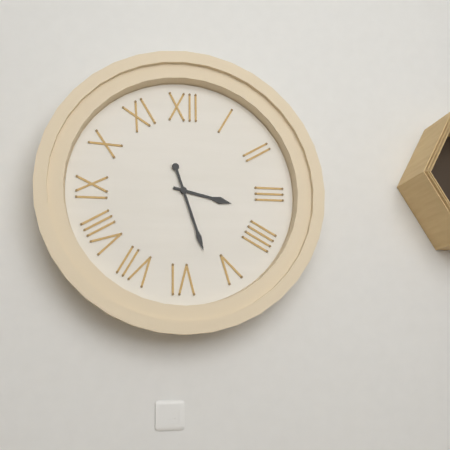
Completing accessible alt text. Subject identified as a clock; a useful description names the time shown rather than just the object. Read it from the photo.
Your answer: 3:27
